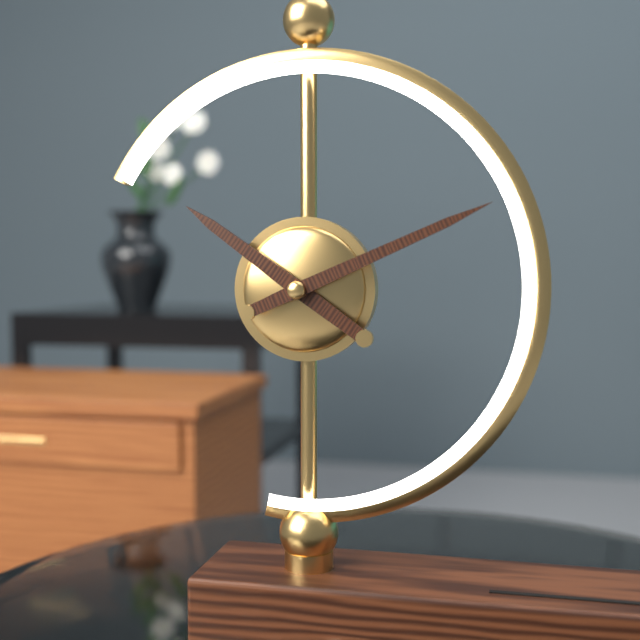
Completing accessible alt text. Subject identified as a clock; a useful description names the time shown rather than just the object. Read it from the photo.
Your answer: 10:11
